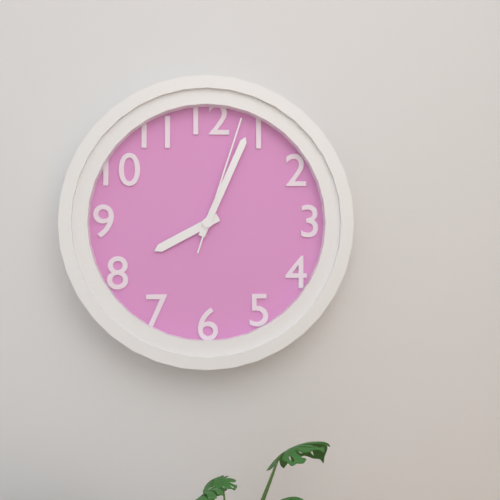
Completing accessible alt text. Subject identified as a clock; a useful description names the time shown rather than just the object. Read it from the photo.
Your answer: 8:04:03
